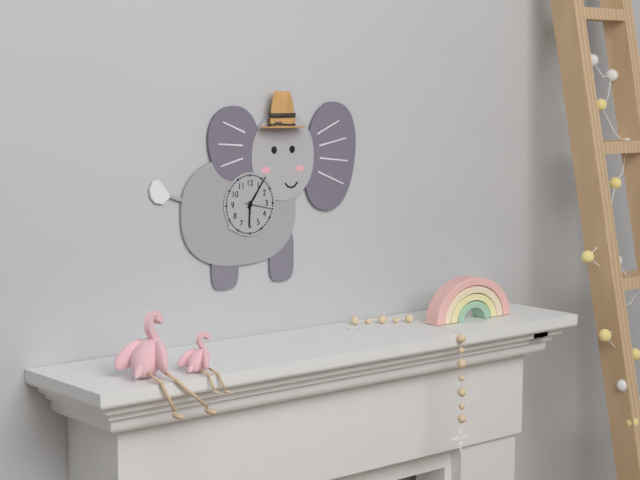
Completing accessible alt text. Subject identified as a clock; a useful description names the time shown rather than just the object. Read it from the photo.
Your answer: 6:06
